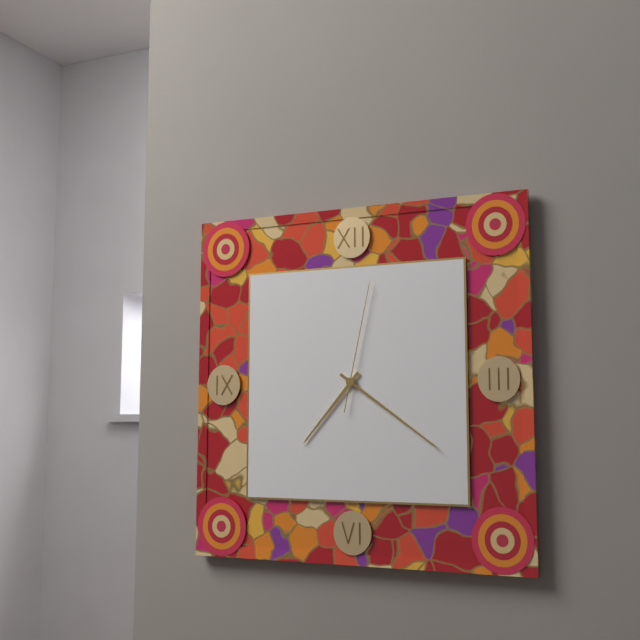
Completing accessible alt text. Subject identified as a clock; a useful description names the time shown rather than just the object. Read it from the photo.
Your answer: 7:21:02
